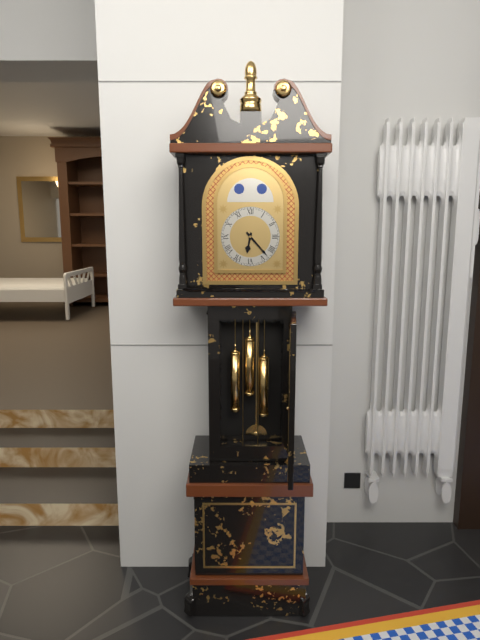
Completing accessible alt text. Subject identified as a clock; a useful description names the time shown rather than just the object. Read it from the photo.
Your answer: 6:23
